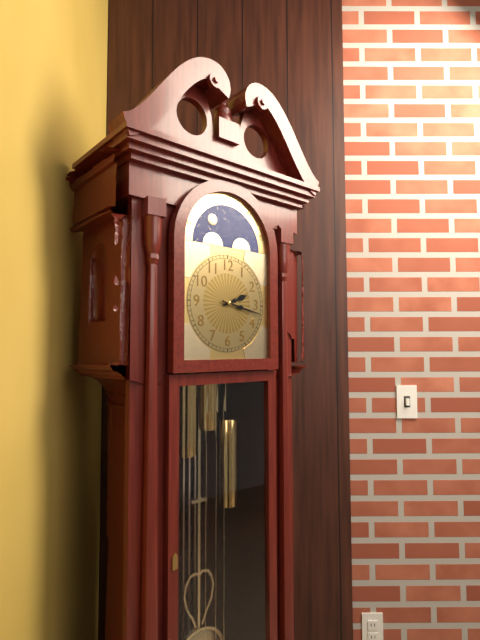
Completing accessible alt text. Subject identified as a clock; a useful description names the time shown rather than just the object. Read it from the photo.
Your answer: 2:17
